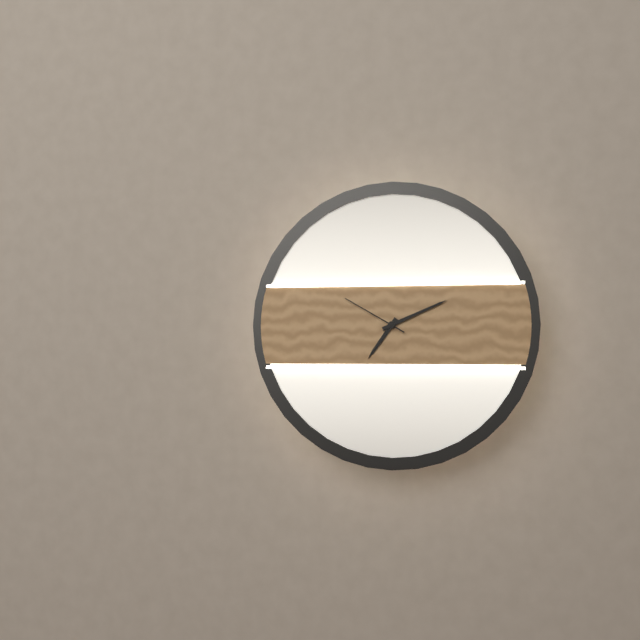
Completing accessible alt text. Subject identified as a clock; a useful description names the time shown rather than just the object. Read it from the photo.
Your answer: 7:11:50
